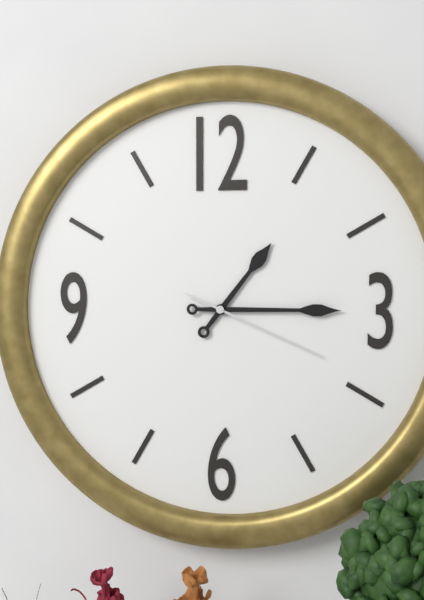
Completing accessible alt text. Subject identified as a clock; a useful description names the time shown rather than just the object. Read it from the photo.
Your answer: 1:15:19
